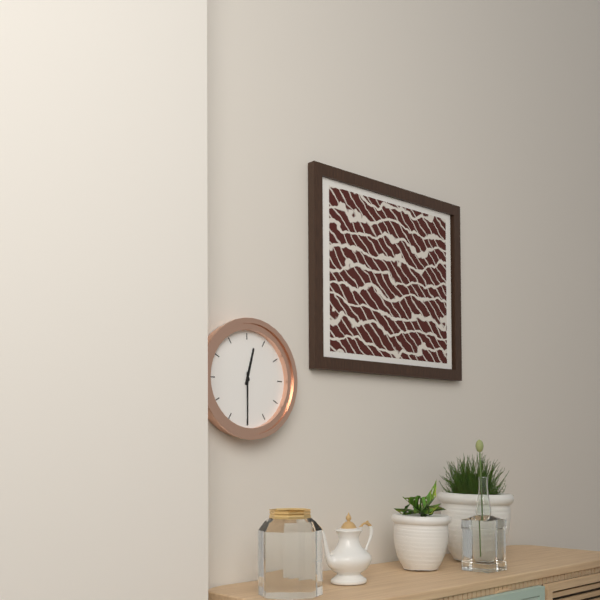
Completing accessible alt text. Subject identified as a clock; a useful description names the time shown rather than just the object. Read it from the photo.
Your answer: 12:30
